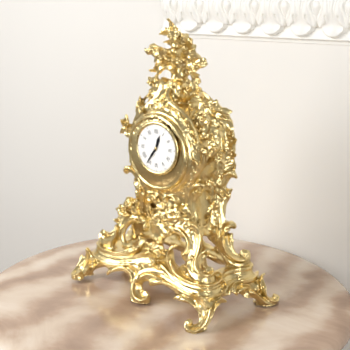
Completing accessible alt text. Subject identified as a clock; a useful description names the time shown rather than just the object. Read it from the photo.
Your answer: 12:36
